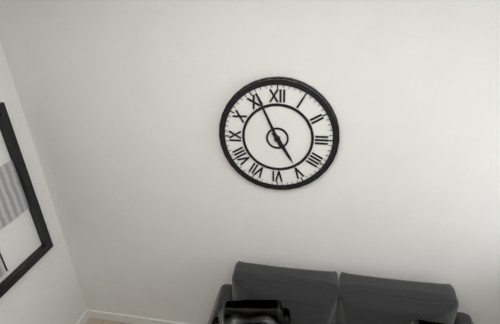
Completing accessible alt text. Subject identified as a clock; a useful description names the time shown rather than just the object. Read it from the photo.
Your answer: 4:56
